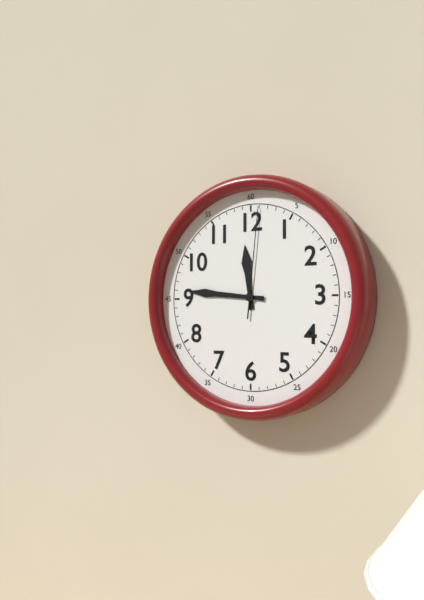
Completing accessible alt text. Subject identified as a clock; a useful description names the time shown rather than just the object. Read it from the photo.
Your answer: 11:46:01
